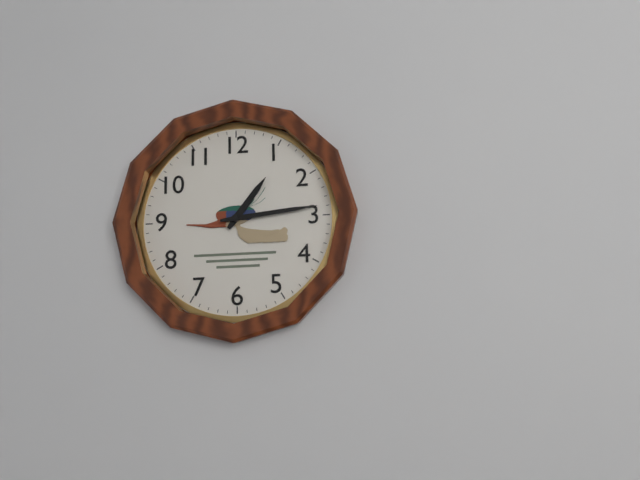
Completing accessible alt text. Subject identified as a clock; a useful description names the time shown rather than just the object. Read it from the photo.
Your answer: 1:14
